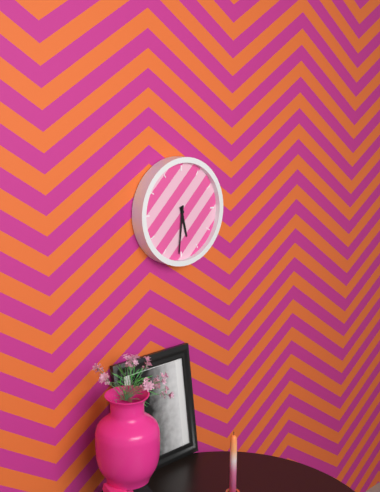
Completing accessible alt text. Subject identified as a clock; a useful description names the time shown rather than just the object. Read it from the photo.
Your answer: 5:31
